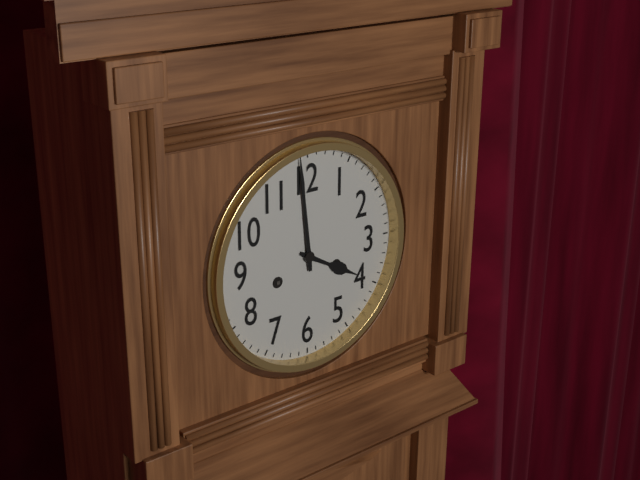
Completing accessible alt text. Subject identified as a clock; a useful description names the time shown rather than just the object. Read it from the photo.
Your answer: 3:59
